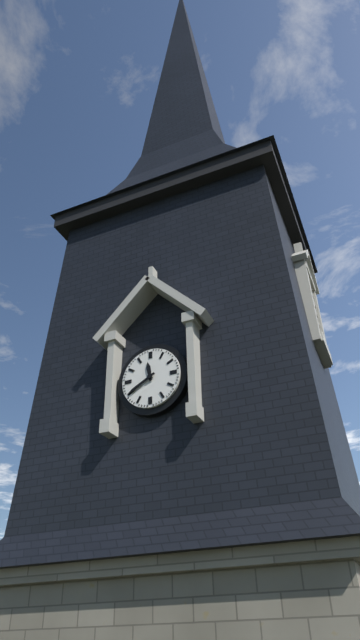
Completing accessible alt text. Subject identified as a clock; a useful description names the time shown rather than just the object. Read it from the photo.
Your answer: 11:40
